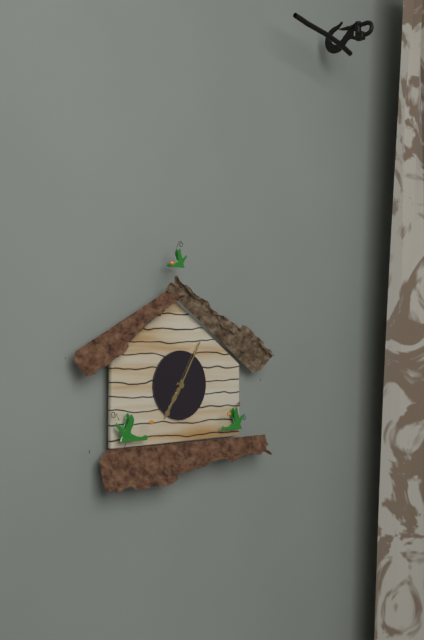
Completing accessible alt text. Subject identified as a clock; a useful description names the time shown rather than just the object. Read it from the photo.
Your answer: 7:05
